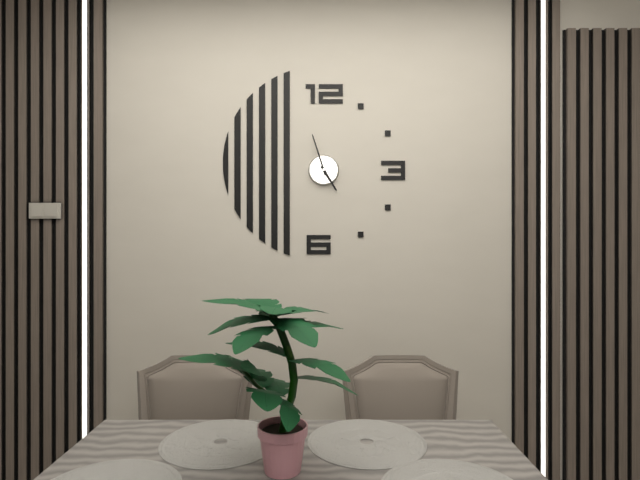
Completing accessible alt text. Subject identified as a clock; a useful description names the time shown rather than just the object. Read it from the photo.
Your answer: 4:57
